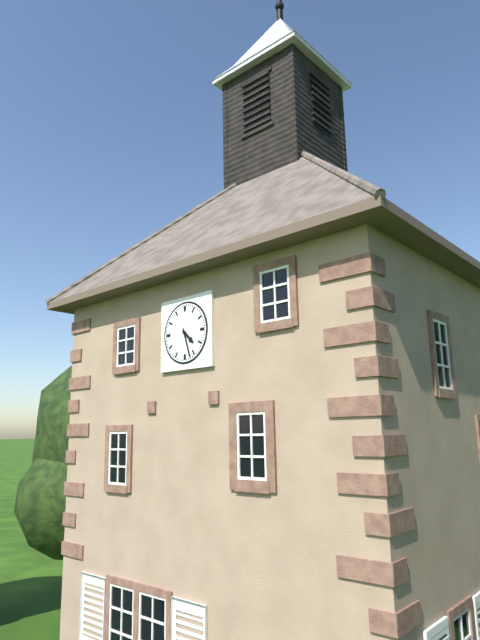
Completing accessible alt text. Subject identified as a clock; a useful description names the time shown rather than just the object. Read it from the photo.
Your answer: 4:27
